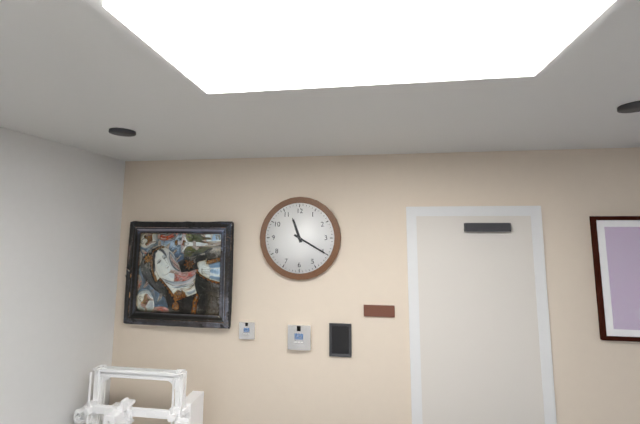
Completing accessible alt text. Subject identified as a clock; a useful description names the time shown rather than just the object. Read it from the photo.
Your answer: 11:20
